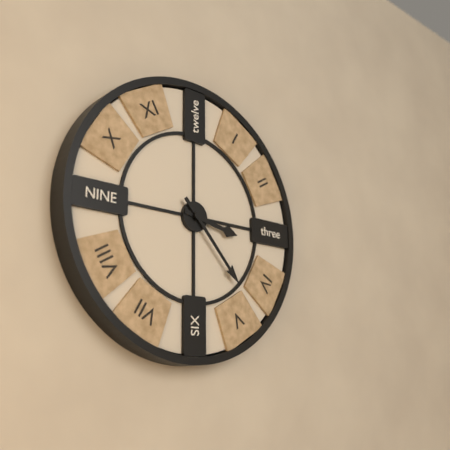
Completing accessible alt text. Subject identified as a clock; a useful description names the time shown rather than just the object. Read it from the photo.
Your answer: 3:23
